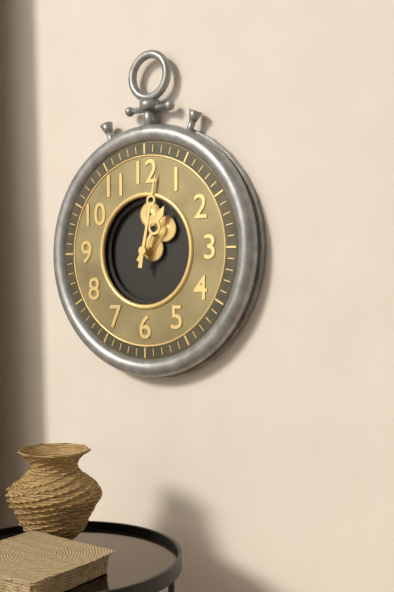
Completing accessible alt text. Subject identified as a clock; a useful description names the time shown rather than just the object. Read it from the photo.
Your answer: 1:02
